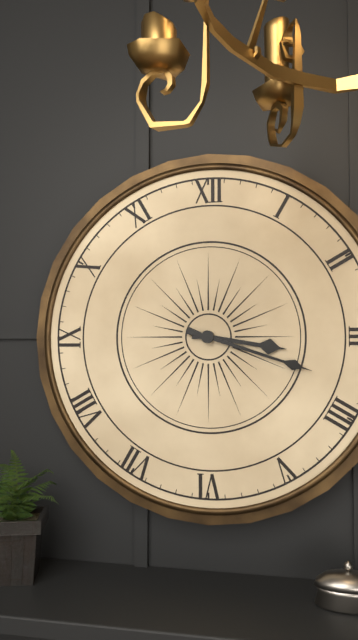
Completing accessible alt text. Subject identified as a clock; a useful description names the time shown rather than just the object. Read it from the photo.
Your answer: 3:18
